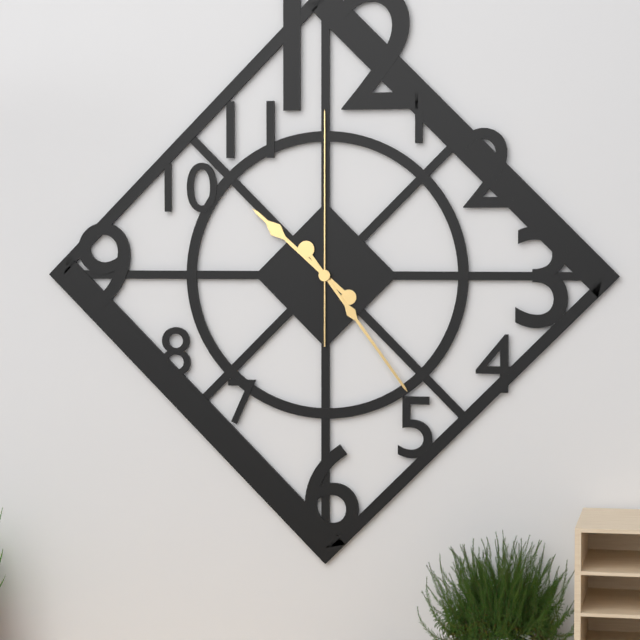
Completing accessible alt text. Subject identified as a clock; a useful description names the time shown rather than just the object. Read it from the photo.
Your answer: 10:24:00
